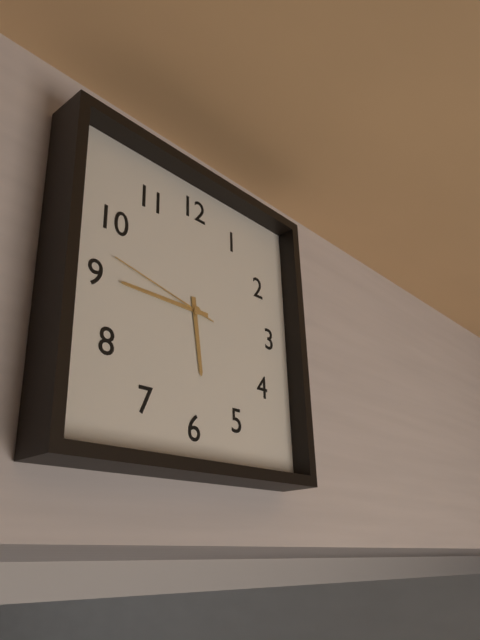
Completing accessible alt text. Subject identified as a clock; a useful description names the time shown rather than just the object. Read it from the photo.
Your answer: 5:45:47
